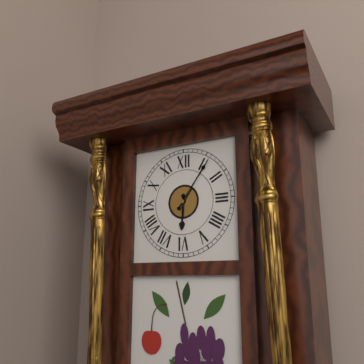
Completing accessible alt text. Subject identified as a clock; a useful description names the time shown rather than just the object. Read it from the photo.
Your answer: 6:06
